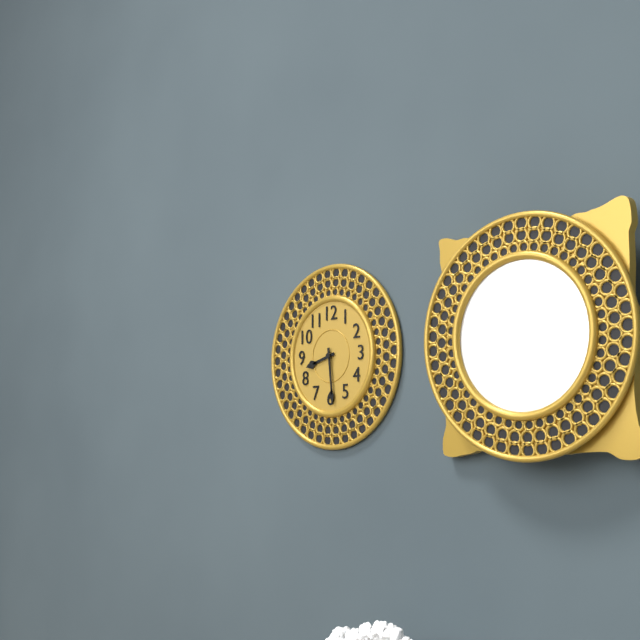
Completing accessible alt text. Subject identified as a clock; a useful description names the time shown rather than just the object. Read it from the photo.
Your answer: 8:29
